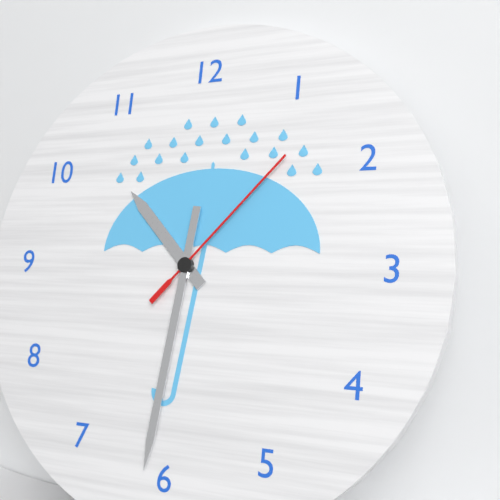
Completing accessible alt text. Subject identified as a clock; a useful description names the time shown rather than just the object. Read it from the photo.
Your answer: 10:31:07
